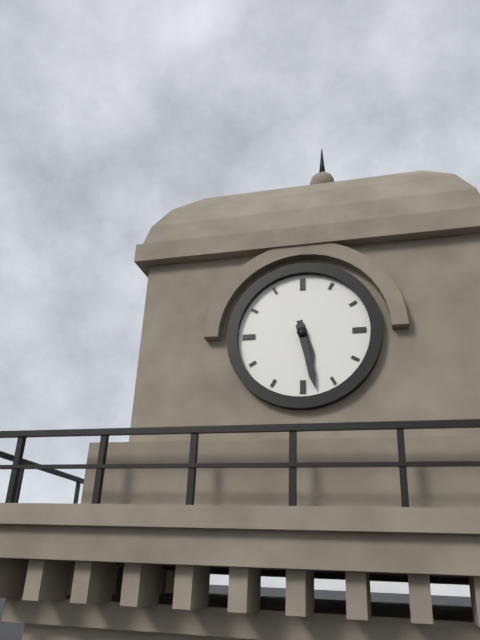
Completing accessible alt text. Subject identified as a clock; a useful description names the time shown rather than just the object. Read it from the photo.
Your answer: 5:28
